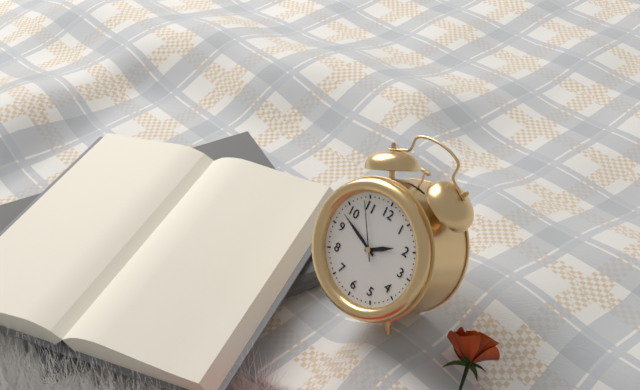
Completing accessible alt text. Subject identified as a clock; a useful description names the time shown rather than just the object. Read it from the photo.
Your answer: 1:48:54
